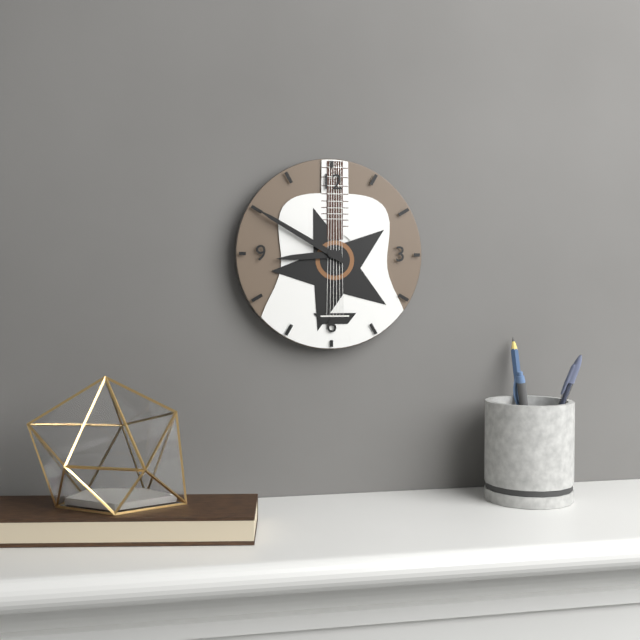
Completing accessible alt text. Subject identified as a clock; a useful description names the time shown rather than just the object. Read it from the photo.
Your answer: 8:50
